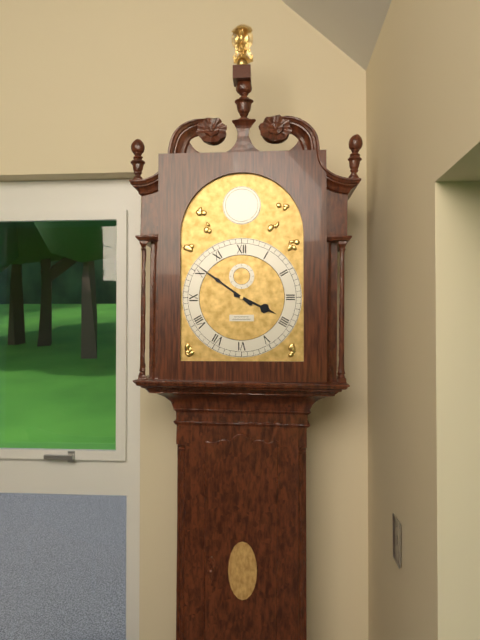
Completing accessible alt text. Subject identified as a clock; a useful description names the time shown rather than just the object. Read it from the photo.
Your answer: 3:51
